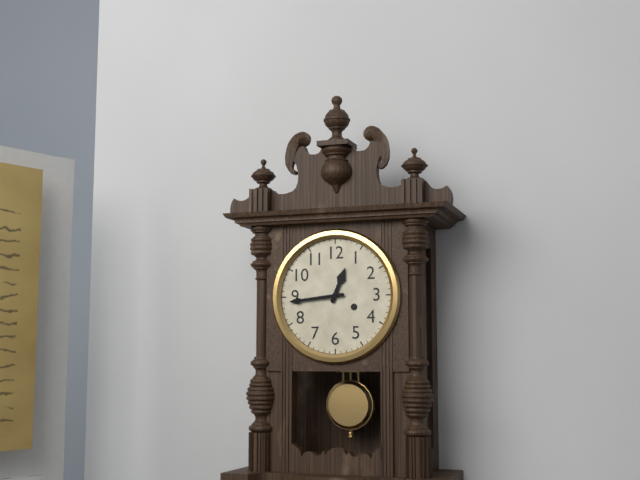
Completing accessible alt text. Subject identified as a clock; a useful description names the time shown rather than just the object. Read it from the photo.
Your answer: 12:44
